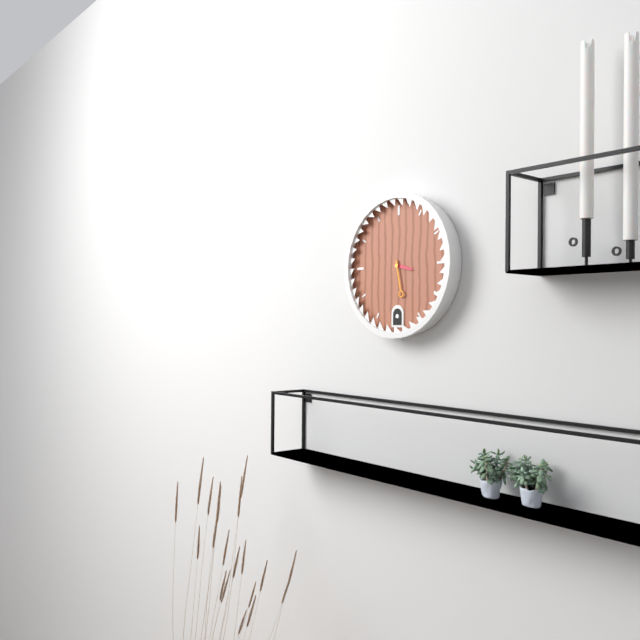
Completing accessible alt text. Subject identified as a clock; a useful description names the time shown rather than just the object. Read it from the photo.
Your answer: 3:28
